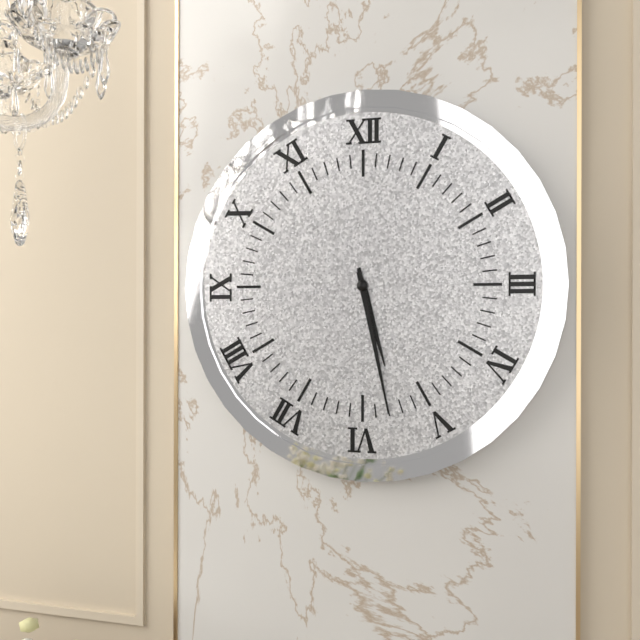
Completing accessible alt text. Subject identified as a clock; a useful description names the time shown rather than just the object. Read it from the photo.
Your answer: 5:28
